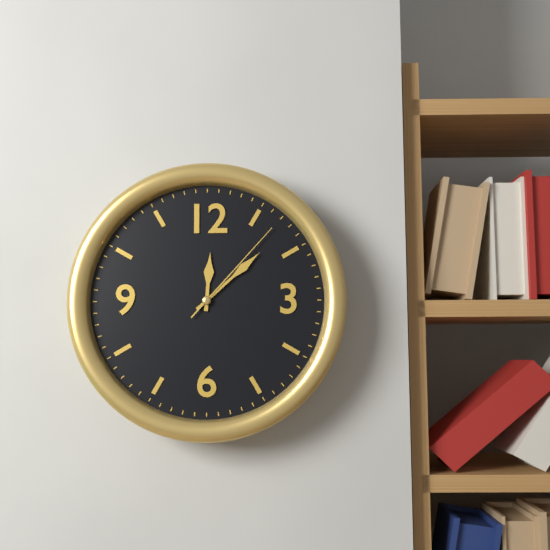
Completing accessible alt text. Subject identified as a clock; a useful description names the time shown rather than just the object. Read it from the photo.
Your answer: 12:08:07
